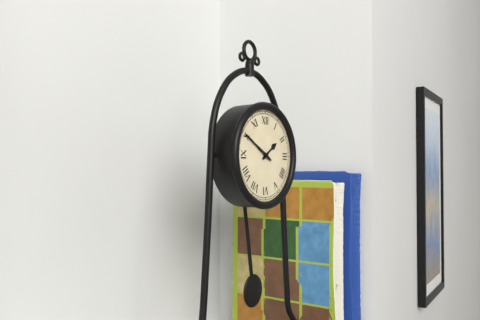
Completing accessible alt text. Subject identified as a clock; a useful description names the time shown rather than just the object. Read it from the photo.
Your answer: 1:50
